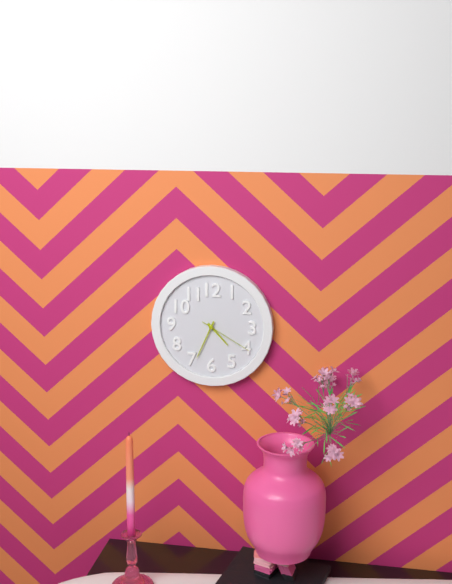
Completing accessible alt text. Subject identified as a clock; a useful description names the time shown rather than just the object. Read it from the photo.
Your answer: 4:34:20
